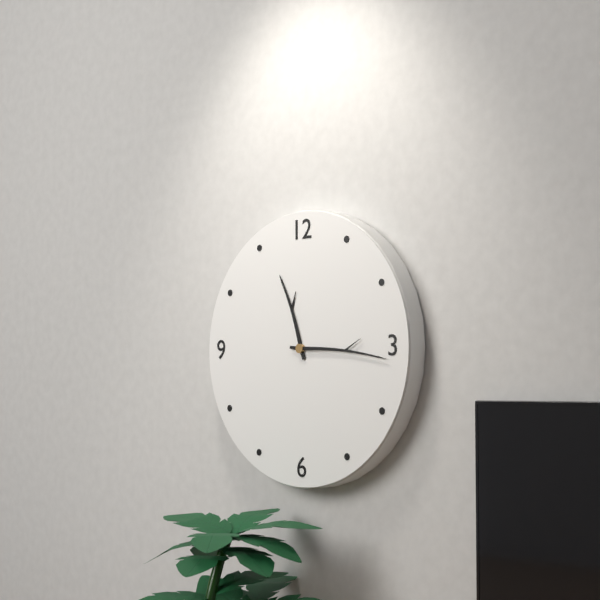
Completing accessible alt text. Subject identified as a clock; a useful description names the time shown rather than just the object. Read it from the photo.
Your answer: 11:16
